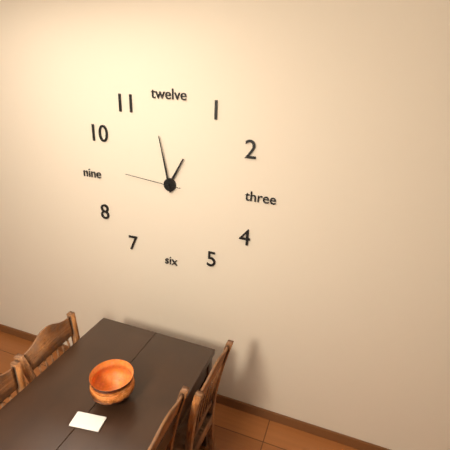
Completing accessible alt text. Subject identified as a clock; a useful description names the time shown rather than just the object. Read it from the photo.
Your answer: 12:58:46
